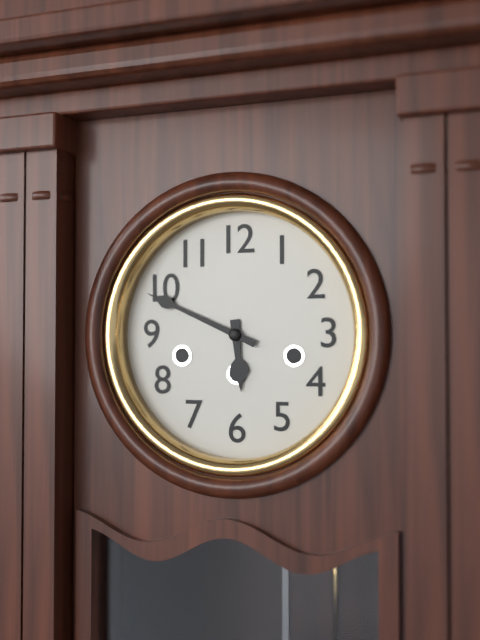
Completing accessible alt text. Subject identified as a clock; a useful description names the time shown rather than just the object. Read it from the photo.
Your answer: 5:49
